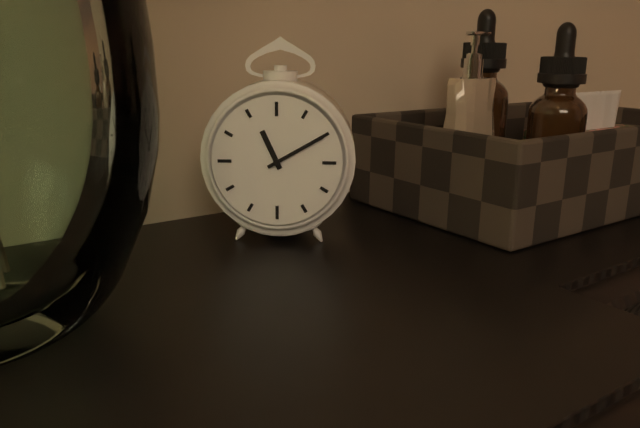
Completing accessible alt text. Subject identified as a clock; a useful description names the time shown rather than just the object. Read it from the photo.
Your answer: 11:10
